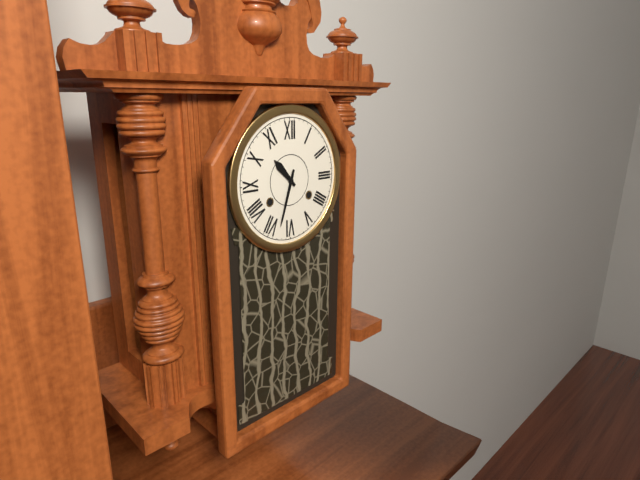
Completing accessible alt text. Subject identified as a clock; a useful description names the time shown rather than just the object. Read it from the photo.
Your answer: 10:33
